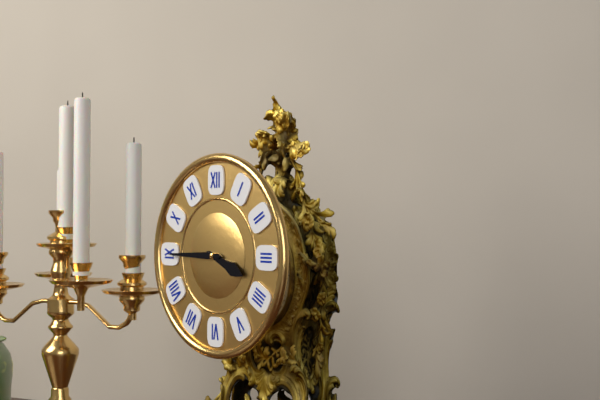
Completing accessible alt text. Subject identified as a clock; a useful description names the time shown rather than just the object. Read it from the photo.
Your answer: 3:45
